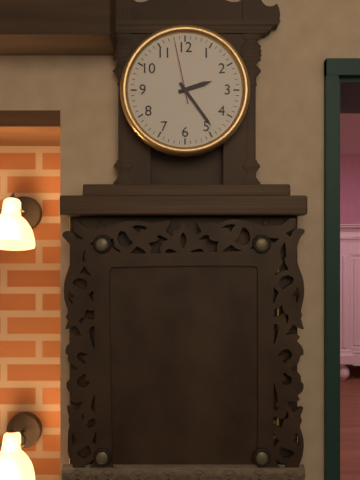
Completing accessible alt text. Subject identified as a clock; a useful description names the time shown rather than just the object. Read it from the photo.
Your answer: 2:24:58
